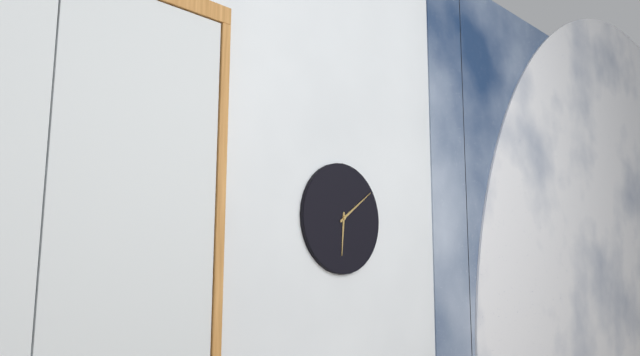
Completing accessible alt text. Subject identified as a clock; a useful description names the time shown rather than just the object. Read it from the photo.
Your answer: 6:09
